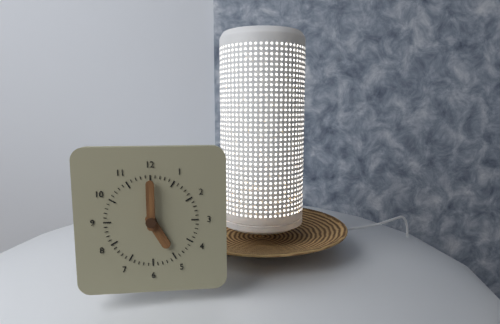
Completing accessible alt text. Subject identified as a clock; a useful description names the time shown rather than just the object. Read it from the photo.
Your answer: 5:00
